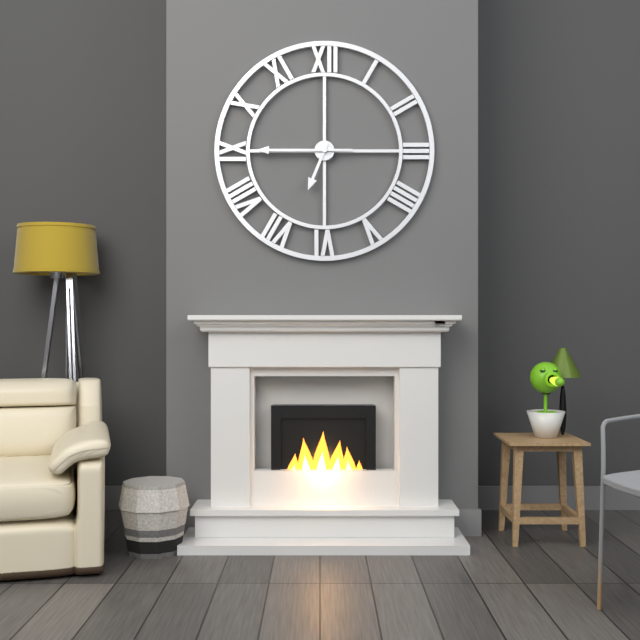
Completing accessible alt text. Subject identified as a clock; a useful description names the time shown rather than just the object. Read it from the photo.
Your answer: 6:45
